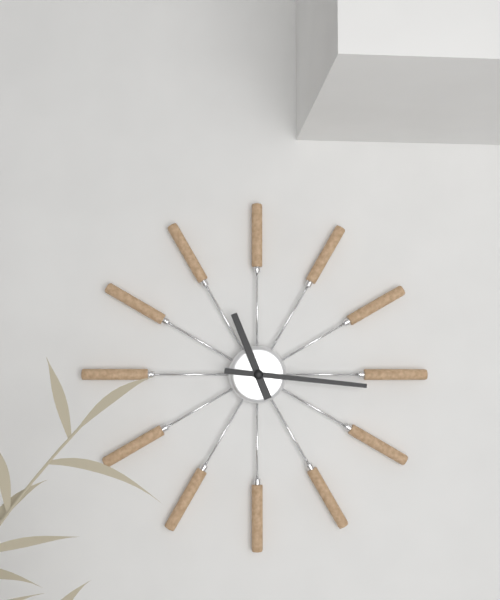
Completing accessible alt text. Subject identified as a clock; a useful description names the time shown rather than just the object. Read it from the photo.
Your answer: 11:16
